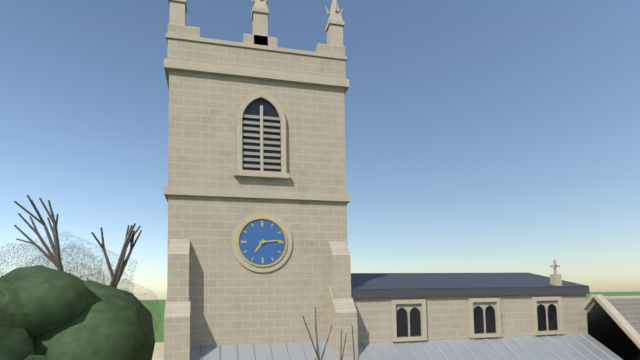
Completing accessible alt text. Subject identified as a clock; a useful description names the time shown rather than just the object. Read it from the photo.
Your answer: 7:14
